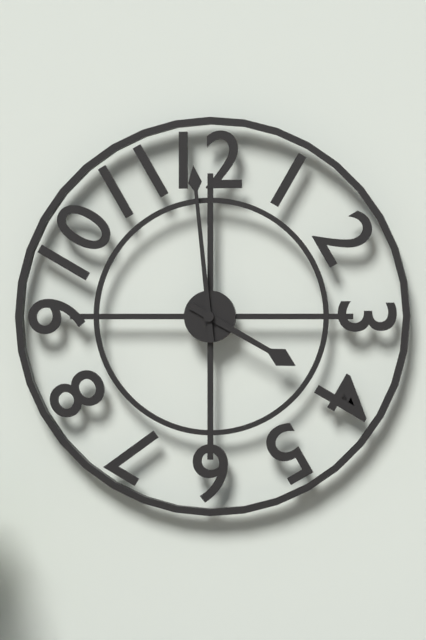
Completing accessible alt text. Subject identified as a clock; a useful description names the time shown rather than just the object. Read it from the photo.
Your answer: 3:59
